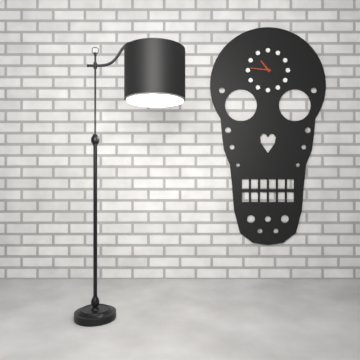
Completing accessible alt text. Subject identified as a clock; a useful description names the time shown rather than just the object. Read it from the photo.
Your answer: 10:46
